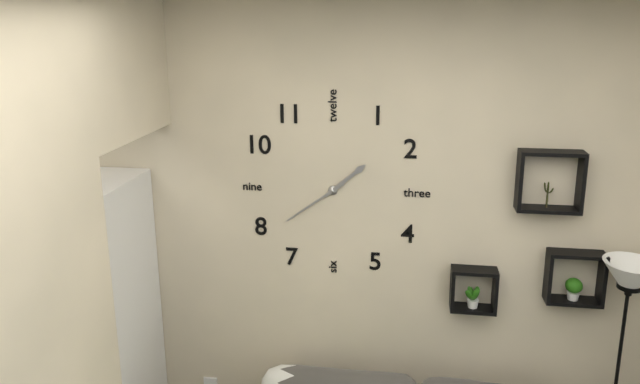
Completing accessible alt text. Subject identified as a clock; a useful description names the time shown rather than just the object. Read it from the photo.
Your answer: 1:39
